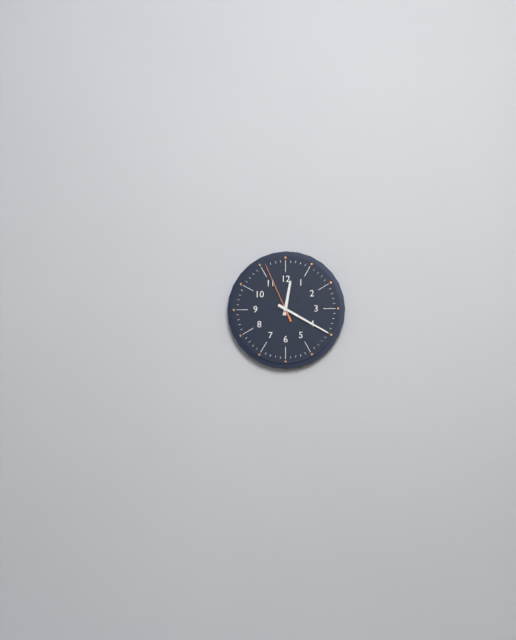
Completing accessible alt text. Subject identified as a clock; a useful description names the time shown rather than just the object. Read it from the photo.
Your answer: 12:20:56
